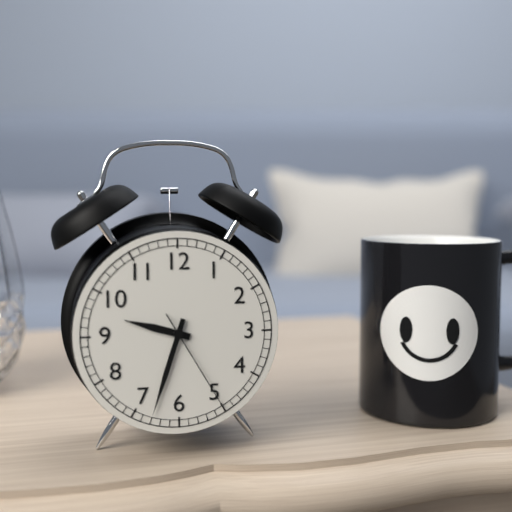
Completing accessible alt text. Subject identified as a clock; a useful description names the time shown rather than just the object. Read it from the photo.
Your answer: 9:33:25
